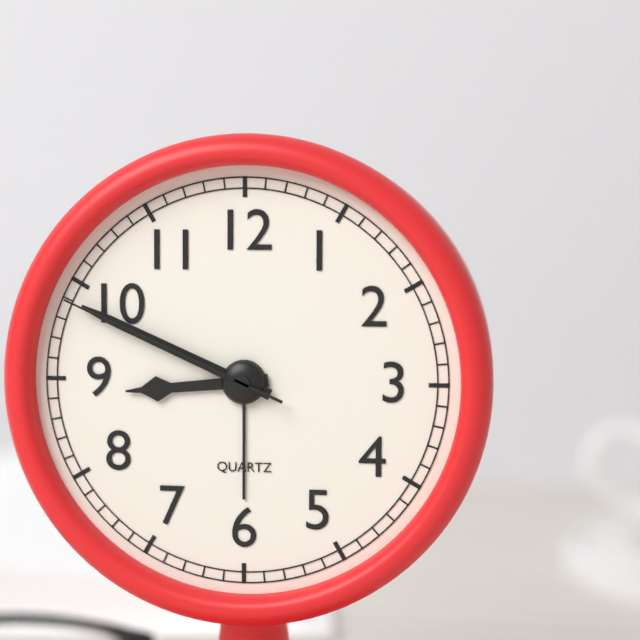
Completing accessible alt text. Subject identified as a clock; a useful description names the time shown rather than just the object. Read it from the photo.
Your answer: 8:49:49
